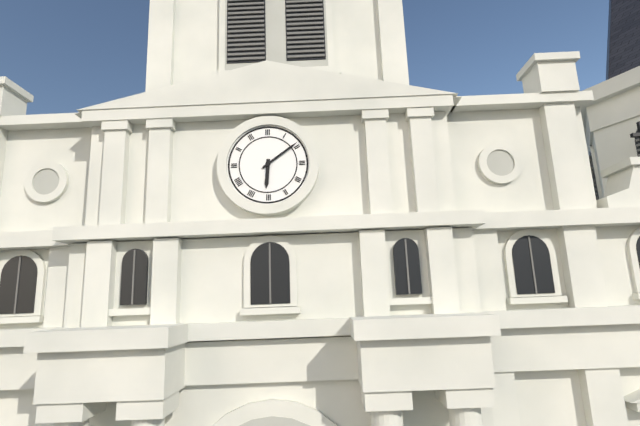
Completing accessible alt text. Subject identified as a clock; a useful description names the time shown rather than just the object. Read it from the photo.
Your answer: 6:09
